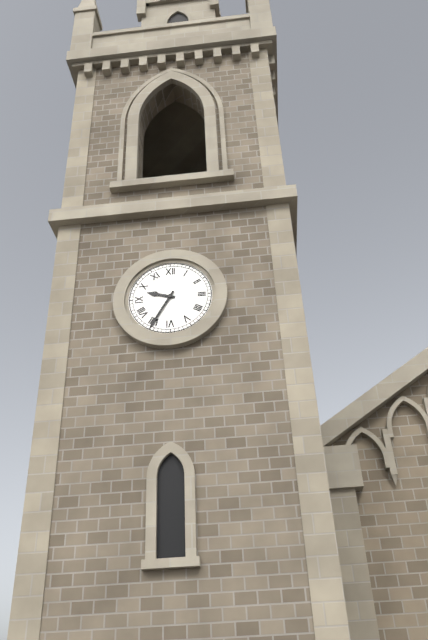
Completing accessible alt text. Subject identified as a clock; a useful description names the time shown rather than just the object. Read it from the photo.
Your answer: 9:35
